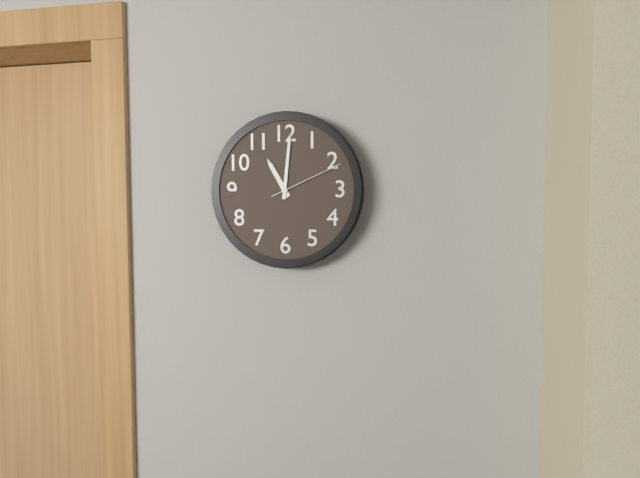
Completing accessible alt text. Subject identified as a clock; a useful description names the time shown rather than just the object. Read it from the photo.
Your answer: 11:01:11
